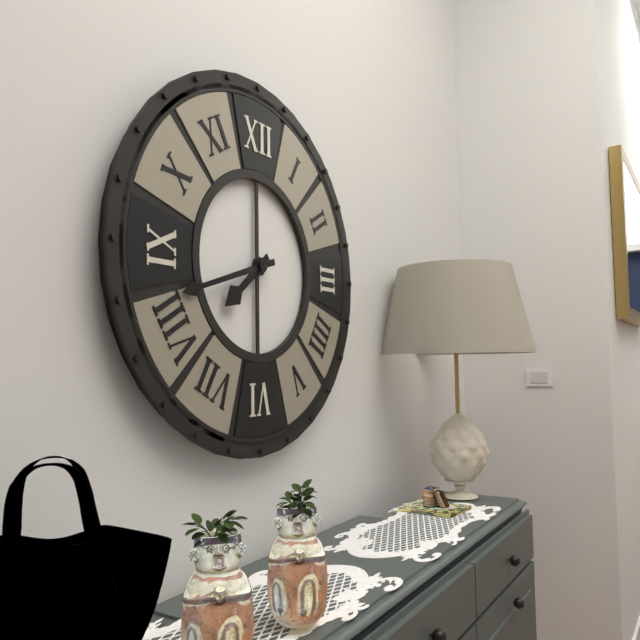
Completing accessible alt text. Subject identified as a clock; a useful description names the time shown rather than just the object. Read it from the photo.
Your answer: 7:42
